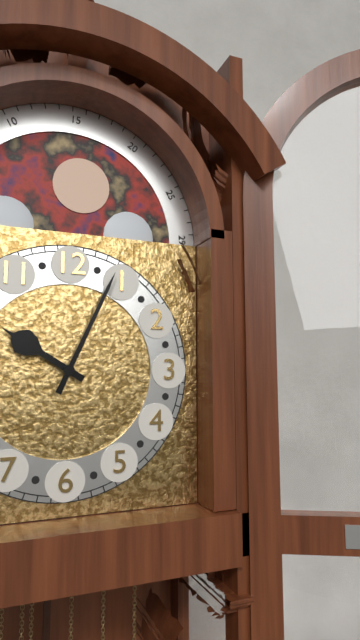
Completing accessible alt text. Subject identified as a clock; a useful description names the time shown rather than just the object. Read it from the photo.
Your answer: 10:04
